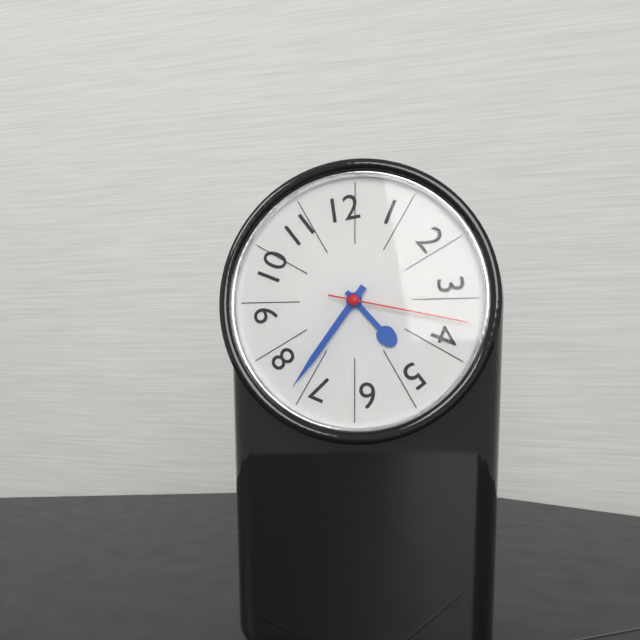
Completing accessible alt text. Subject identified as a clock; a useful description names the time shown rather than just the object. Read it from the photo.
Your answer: 4:36:17
